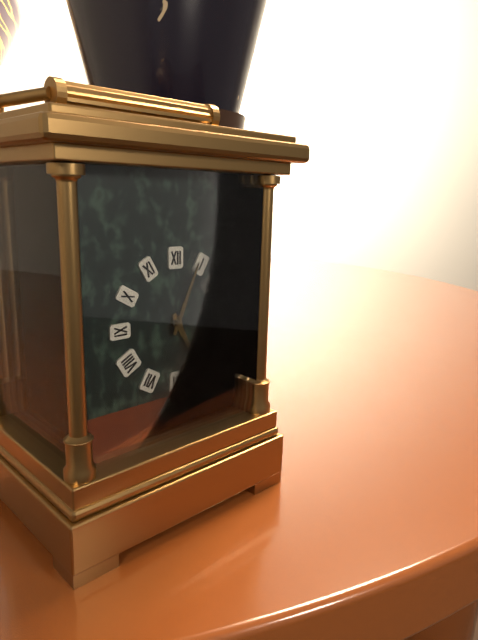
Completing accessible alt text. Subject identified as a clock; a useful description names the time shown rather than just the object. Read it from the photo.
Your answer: 5:04
